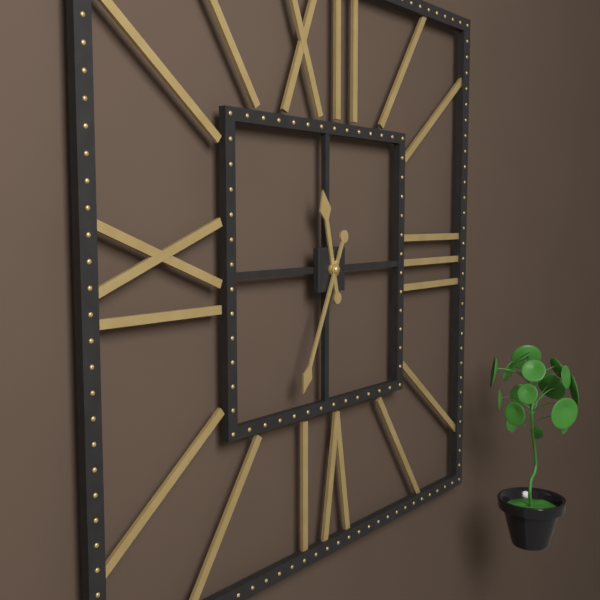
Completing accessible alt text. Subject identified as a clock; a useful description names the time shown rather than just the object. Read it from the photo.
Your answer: 11:34
